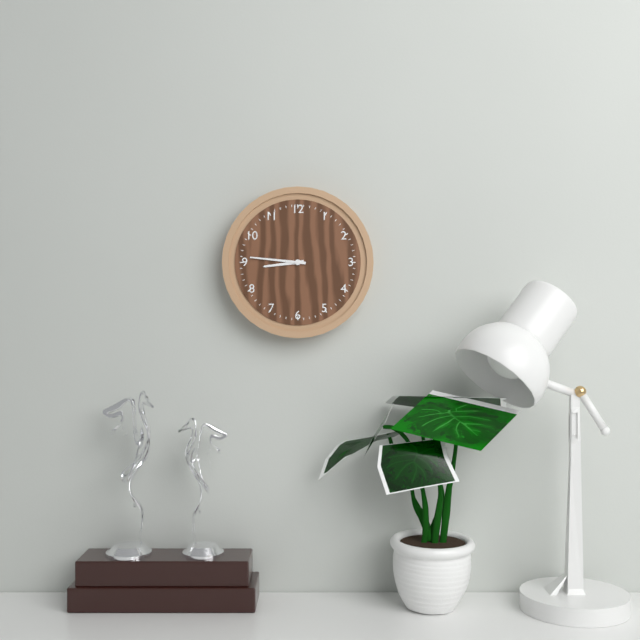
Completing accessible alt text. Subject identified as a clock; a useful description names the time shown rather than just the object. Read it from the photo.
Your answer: 8:46
